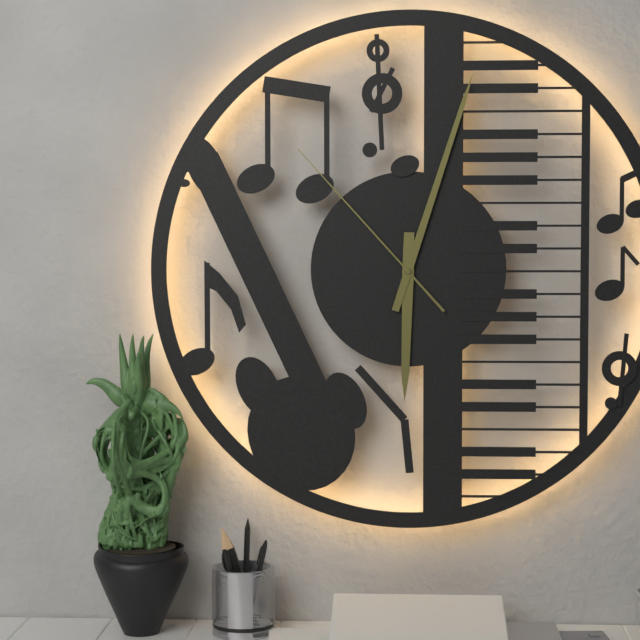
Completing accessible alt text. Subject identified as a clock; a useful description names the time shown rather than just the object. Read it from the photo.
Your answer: 6:03:53
